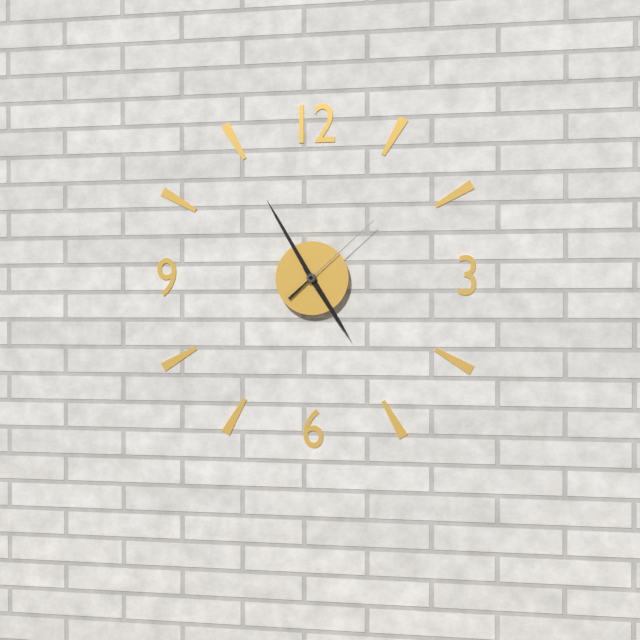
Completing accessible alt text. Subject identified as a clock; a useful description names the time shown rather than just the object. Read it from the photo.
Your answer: 4:55:08
